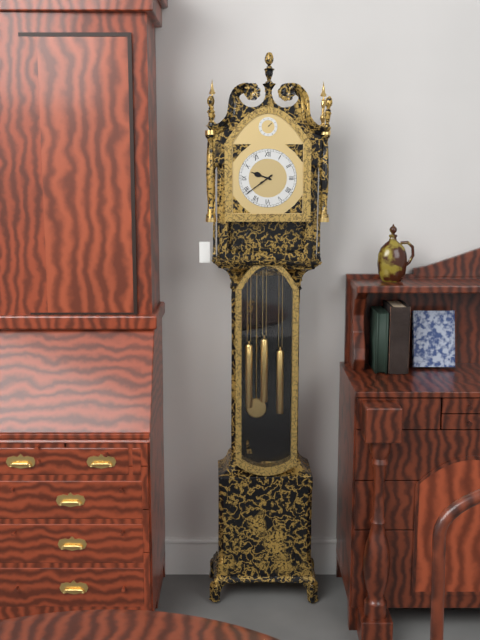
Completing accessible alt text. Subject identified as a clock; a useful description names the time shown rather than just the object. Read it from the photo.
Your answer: 9:39
